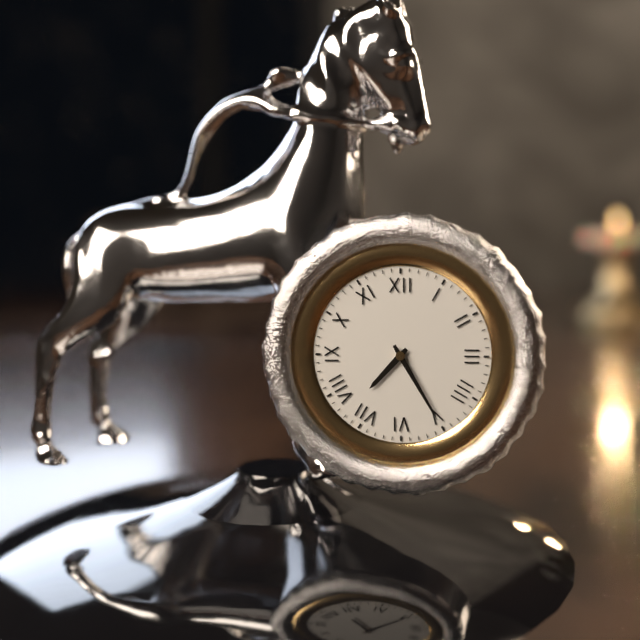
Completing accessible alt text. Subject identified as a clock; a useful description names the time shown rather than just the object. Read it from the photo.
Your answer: 7:25
